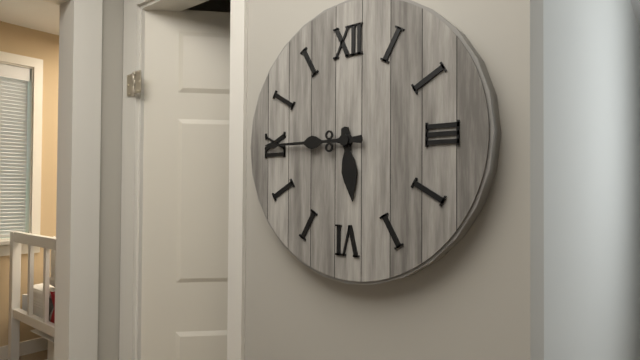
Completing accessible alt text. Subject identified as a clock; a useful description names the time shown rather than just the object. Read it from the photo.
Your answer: 5:45
